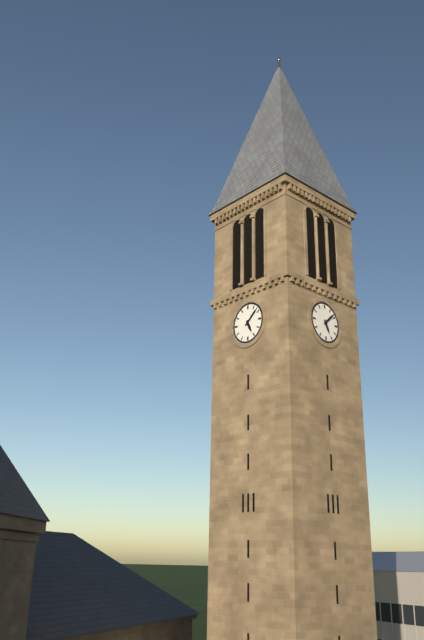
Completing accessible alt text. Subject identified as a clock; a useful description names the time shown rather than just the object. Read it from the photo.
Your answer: 5:08
